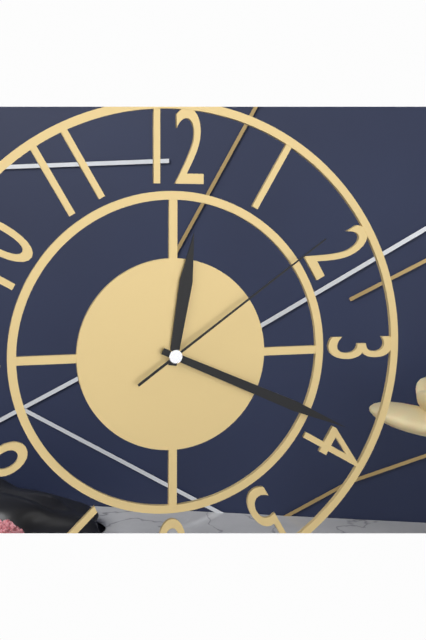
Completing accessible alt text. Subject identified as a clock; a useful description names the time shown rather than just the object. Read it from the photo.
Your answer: 12:19:09
